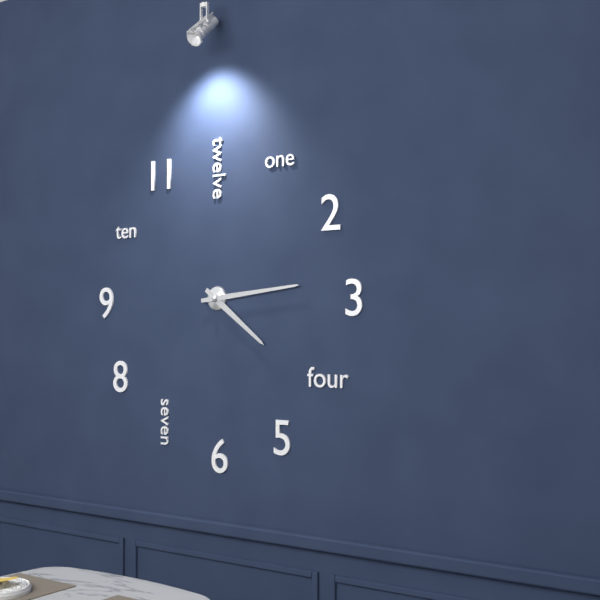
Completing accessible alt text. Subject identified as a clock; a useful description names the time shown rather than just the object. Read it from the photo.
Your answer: 4:14
